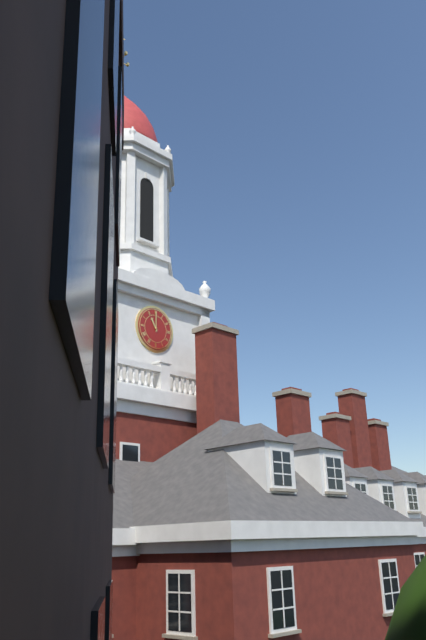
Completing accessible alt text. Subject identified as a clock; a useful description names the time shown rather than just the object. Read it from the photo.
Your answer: 11:00
